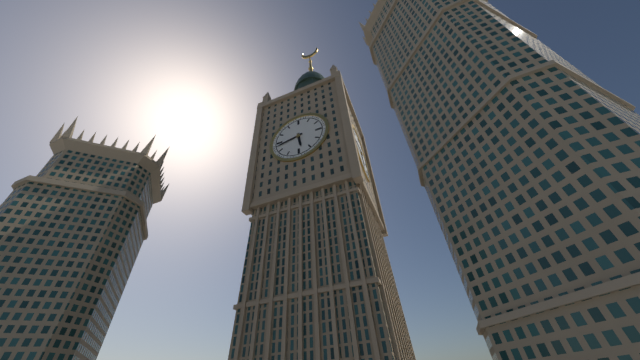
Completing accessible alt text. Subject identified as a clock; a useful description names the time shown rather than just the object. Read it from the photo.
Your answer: 5:43
